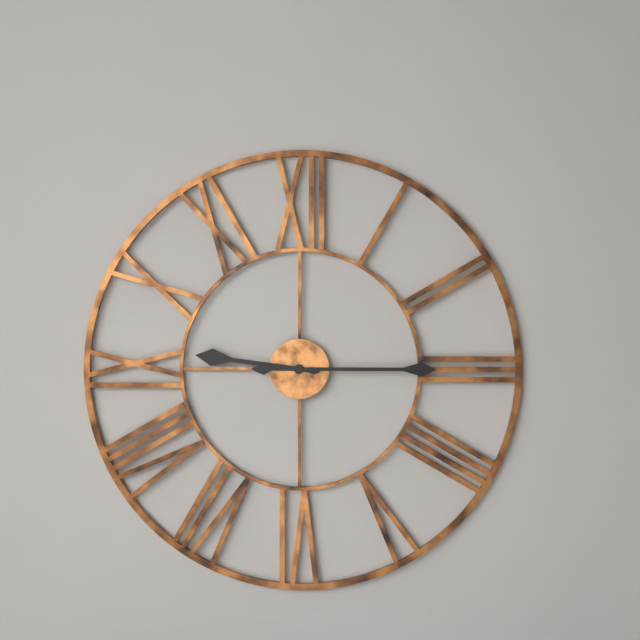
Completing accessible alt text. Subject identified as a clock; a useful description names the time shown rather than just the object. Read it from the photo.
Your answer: 9:15
